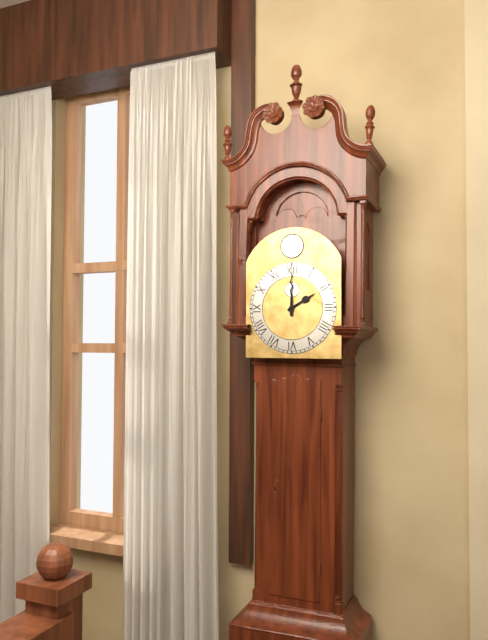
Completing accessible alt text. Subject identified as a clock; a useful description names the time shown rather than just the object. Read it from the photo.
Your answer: 2:00
